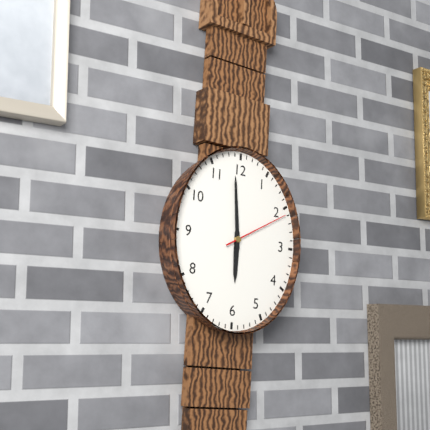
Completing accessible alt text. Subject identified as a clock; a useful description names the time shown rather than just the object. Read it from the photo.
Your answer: 5:59:10
